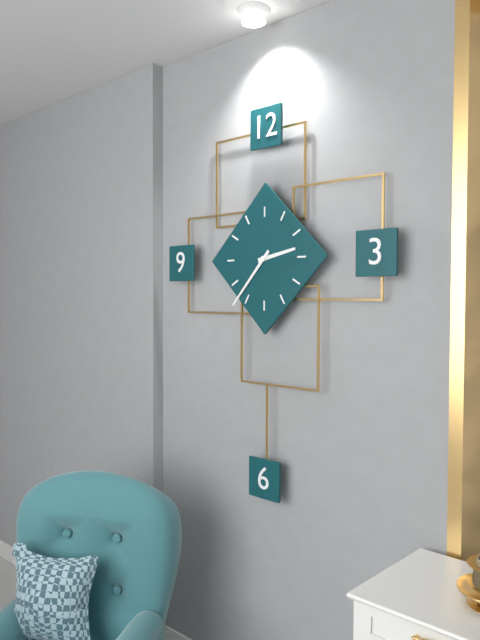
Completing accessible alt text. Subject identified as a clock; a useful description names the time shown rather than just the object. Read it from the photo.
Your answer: 2:37
